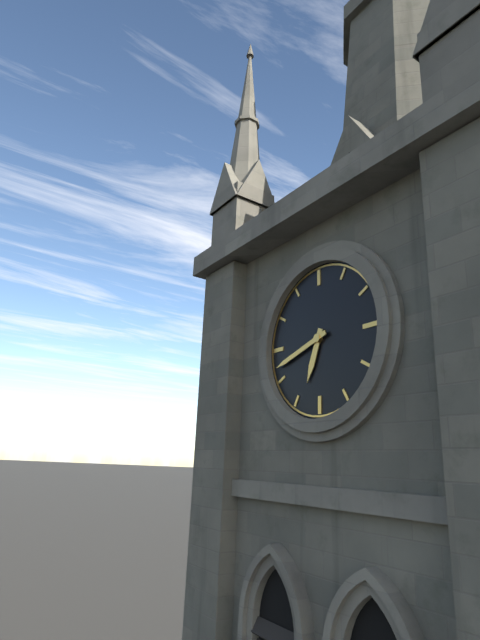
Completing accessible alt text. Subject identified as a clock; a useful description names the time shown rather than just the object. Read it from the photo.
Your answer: 6:42
